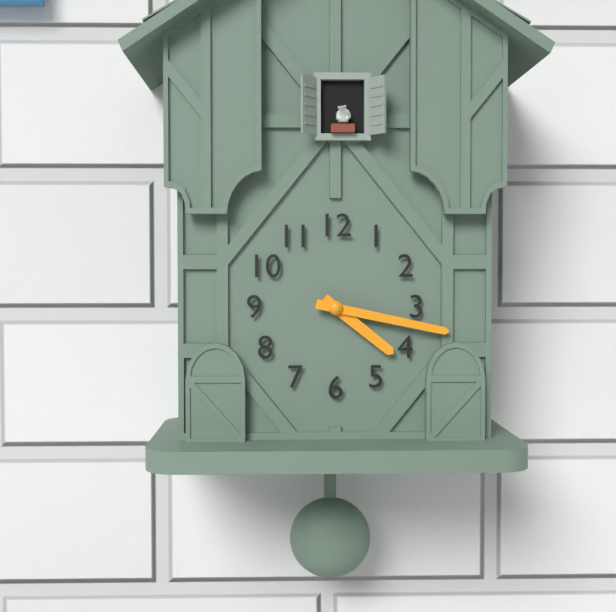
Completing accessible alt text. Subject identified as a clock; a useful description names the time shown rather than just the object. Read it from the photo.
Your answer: 4:17
